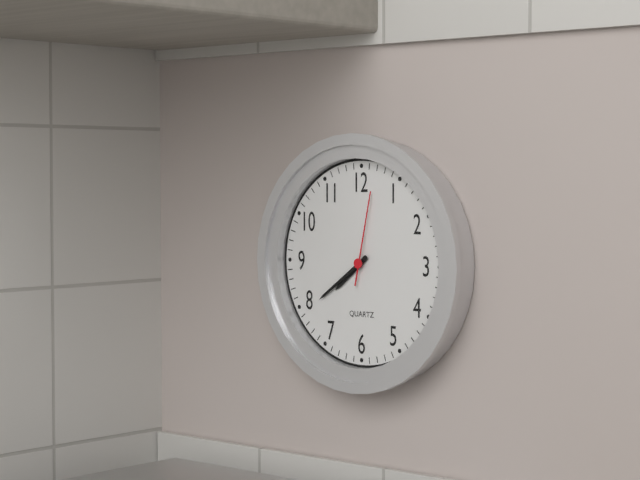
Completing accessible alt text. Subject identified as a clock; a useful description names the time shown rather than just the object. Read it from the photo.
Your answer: 7:39:02
